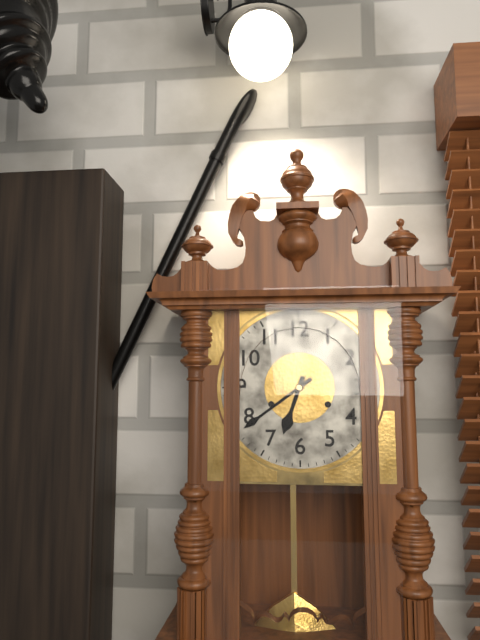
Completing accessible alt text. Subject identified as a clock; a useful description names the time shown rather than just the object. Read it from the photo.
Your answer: 6:39
